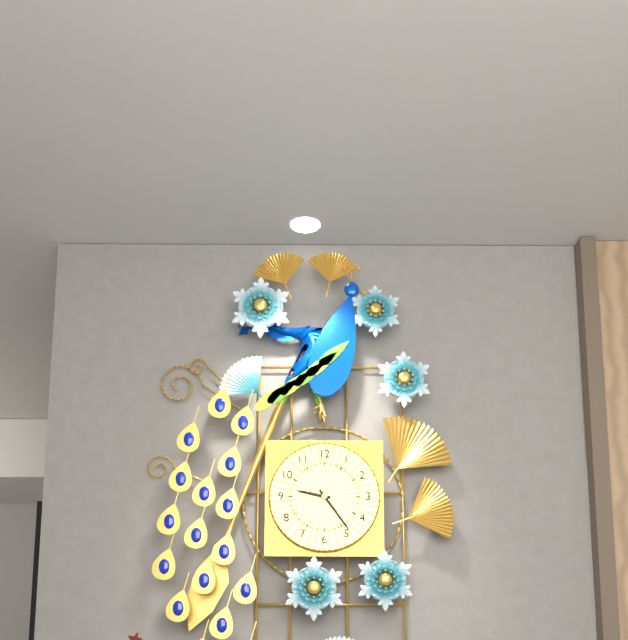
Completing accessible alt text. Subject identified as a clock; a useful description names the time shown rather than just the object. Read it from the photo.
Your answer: 9:24
